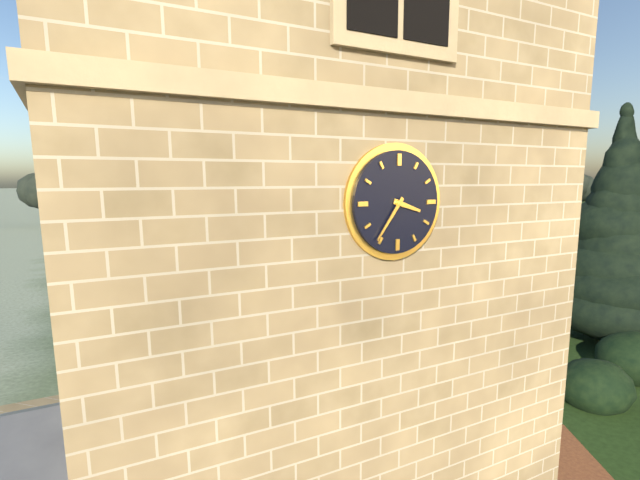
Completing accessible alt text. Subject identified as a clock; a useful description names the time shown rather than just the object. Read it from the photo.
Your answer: 3:36
